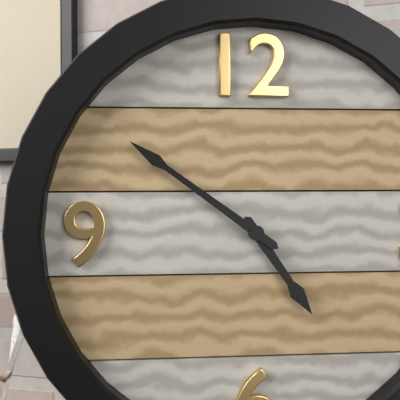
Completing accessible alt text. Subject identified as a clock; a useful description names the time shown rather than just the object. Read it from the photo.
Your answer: 4:51
